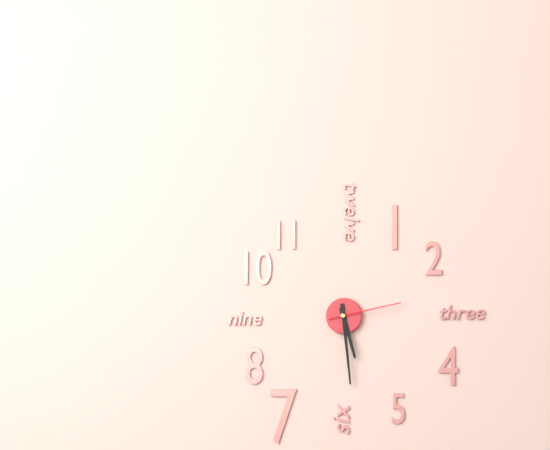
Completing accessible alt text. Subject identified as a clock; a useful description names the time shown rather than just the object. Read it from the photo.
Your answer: 5:29:13
